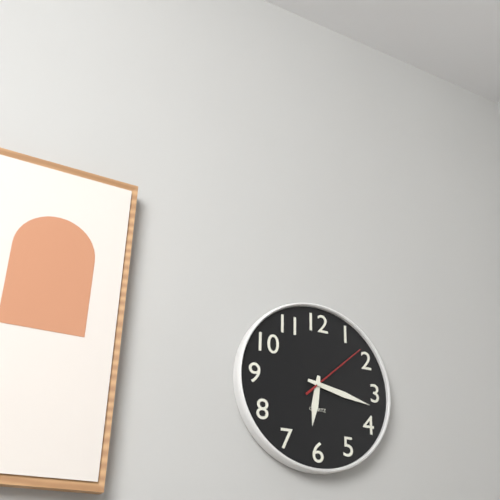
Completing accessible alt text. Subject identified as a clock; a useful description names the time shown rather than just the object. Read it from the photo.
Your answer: 6:17:08
